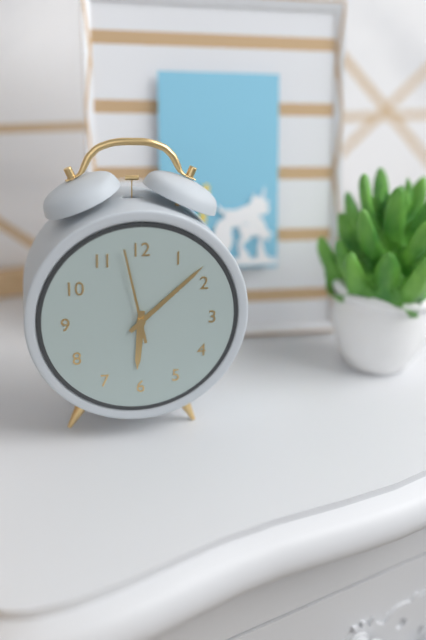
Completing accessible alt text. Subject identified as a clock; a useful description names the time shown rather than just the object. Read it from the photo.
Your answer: 6:08:58
